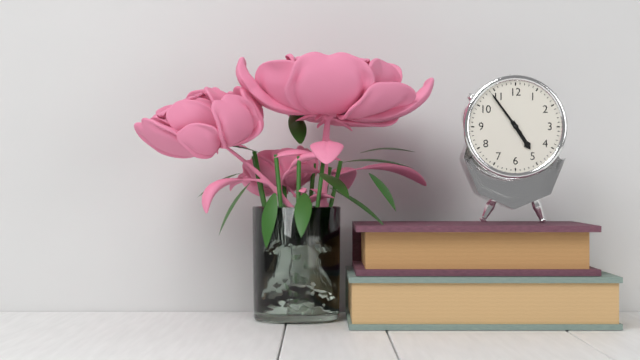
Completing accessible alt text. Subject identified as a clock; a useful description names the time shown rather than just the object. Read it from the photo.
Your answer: 4:54
